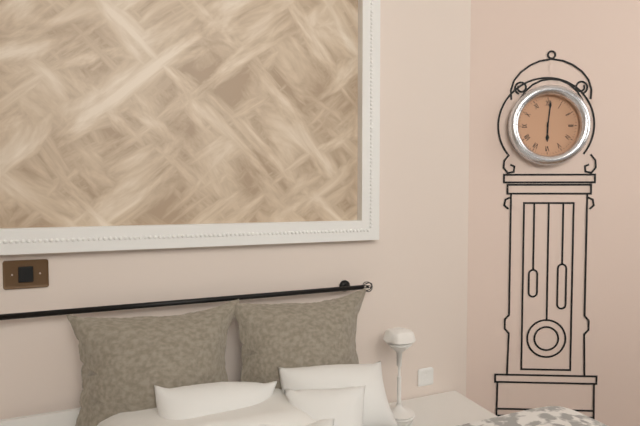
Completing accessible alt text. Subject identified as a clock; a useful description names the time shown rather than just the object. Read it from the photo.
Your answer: 6:01
